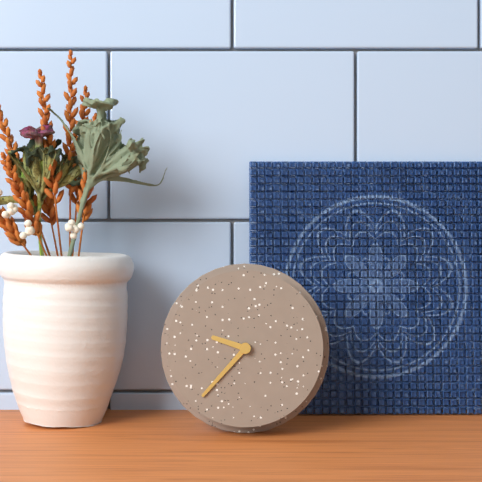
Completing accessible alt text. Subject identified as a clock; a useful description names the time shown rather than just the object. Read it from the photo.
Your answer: 9:37
